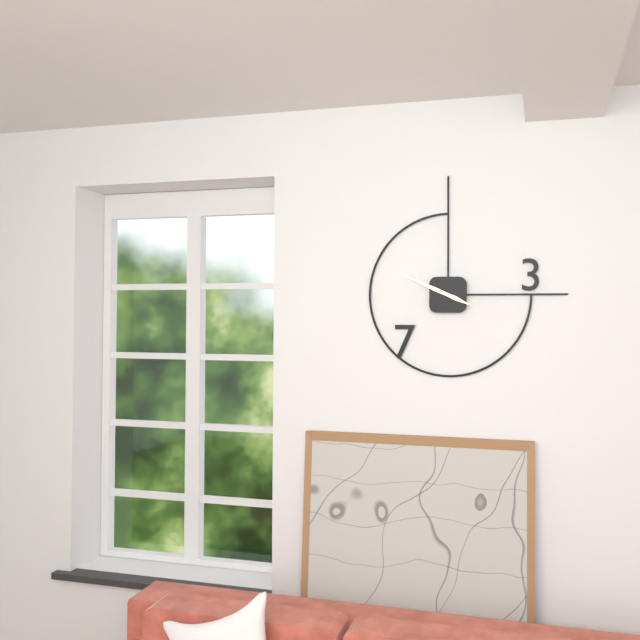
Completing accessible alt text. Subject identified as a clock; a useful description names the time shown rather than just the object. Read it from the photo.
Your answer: 3:49
